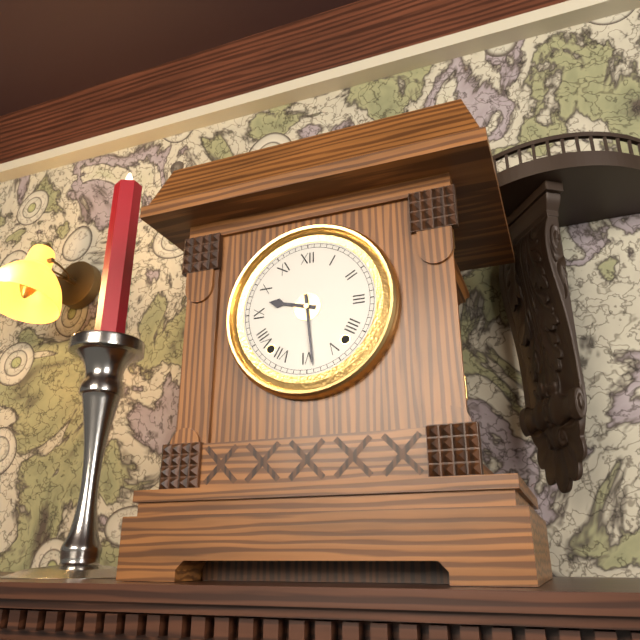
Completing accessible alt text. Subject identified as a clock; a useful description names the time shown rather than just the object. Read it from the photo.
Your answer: 9:29
